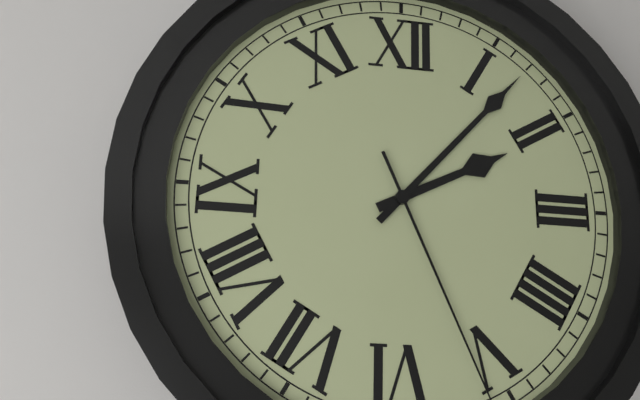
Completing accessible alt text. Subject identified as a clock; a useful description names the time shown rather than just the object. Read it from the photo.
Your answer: 2:07
